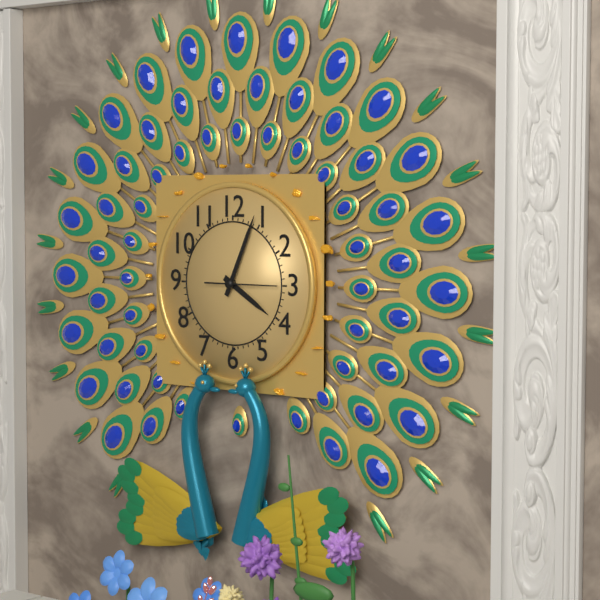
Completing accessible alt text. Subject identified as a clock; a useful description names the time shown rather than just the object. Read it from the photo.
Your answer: 4:04:15
